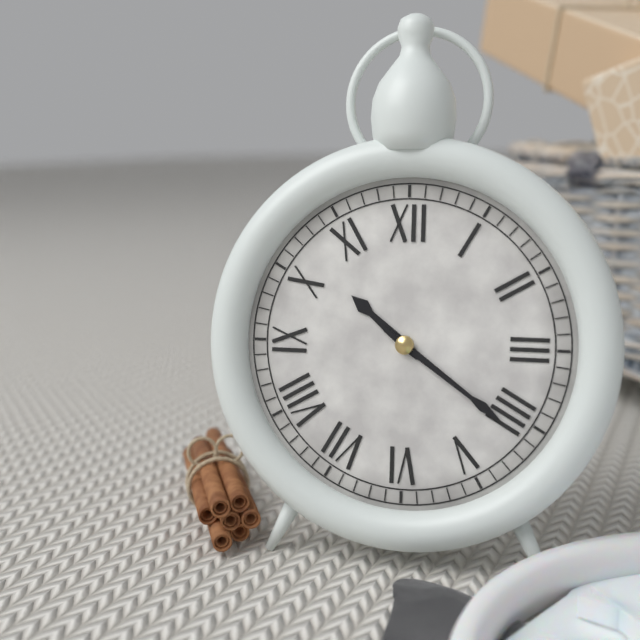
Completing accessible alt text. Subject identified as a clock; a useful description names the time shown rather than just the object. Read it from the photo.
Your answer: 10:21
